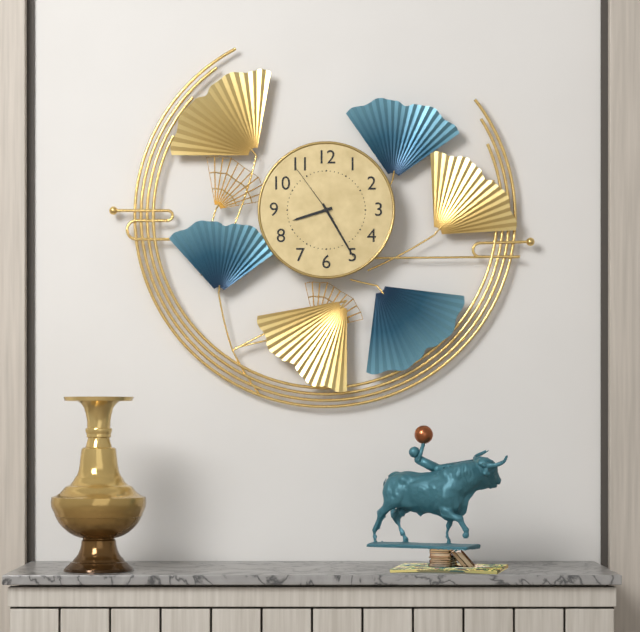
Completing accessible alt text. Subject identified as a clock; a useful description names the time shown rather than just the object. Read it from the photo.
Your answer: 8:25:54
